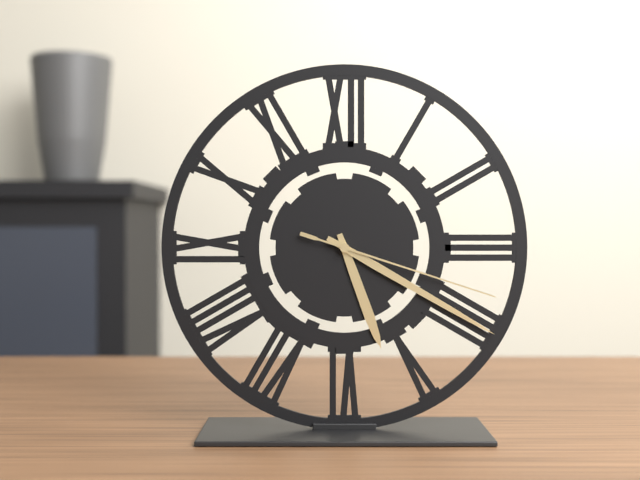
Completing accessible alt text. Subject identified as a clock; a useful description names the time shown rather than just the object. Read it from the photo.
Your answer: 5:20:18
